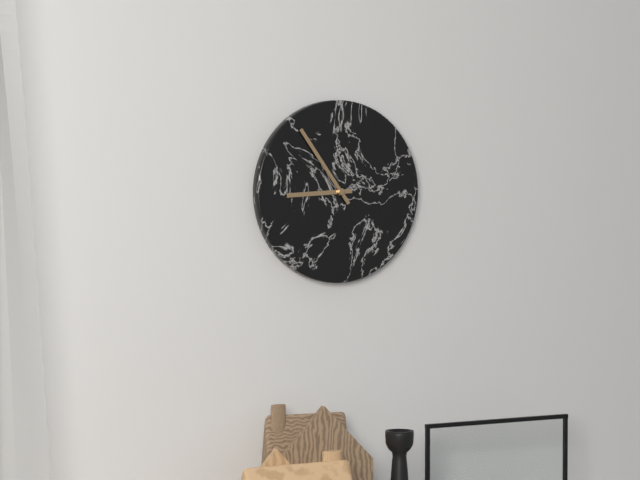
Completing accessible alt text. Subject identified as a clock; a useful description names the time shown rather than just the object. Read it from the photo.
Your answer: 8:54
